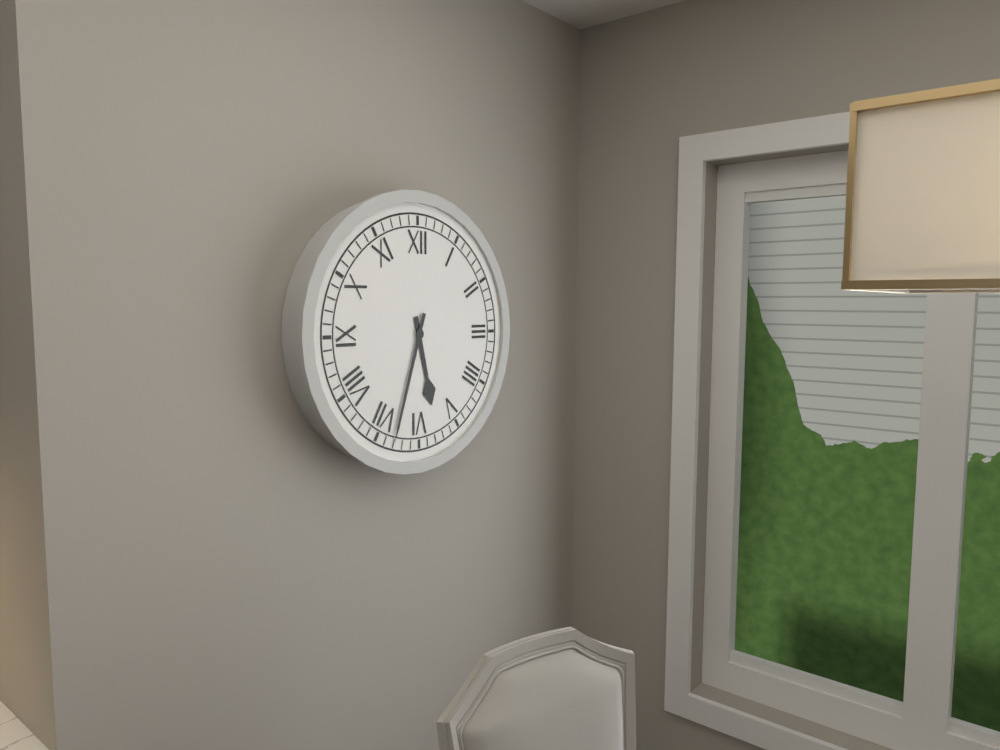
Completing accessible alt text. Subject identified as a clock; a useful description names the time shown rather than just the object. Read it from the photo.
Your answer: 5:33
